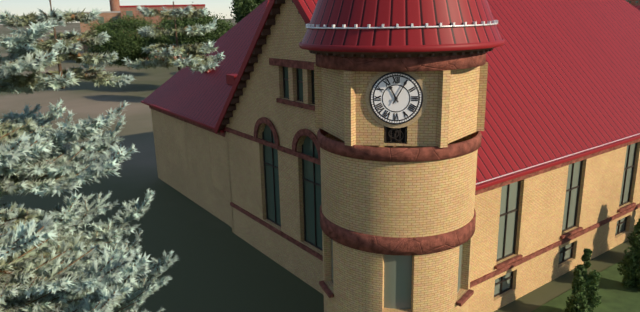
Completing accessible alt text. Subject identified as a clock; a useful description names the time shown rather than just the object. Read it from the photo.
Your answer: 11:05
